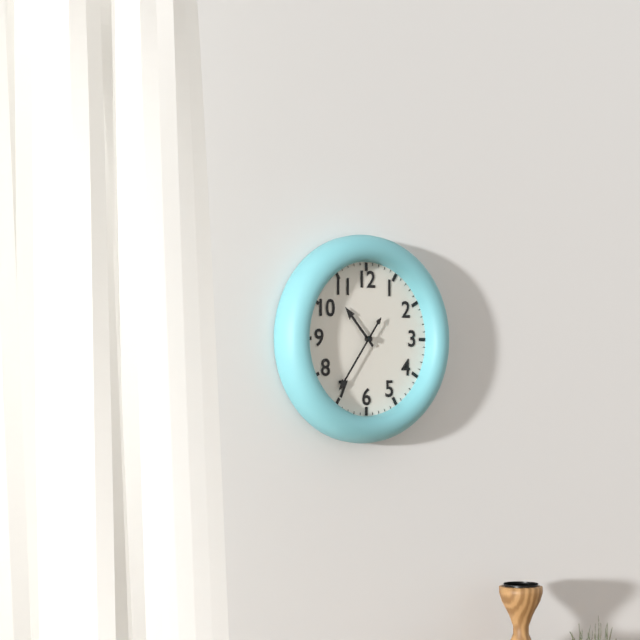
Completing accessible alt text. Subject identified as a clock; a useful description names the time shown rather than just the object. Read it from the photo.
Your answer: 10:36
